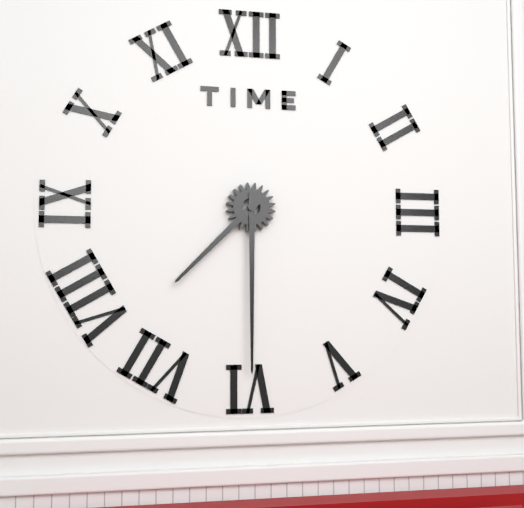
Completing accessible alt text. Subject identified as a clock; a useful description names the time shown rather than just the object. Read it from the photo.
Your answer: 7:30
